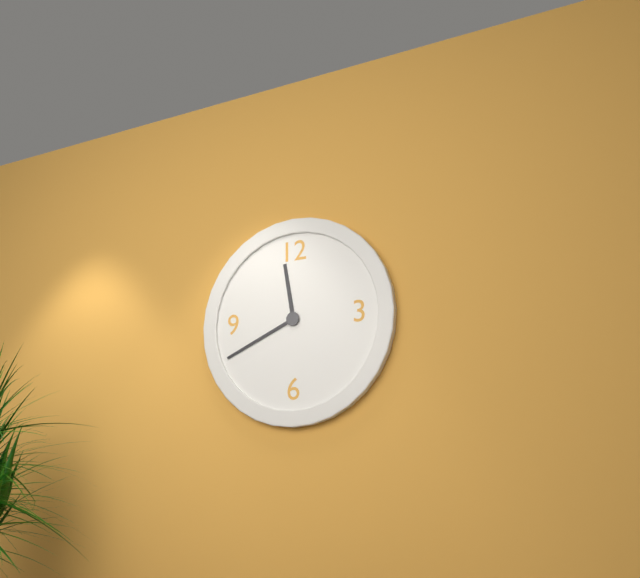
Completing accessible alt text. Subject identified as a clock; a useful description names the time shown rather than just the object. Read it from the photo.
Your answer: 11:41
